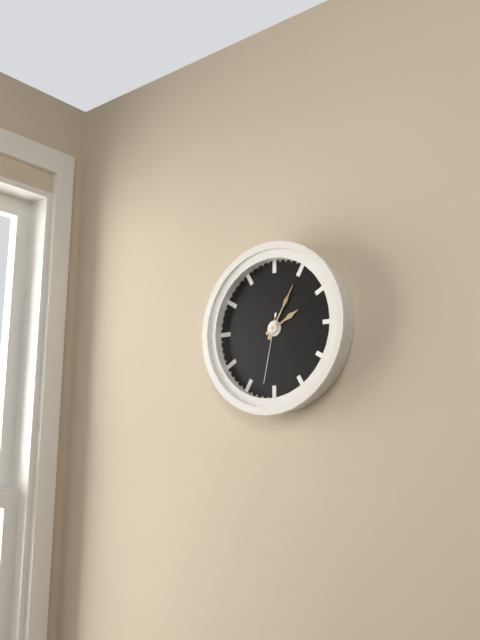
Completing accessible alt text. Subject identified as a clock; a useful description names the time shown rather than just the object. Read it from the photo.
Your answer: 2:05:32
